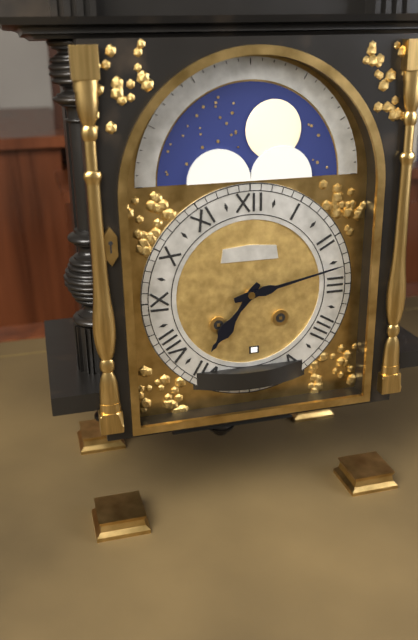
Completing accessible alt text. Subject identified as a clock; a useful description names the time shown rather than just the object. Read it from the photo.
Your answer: 7:13
